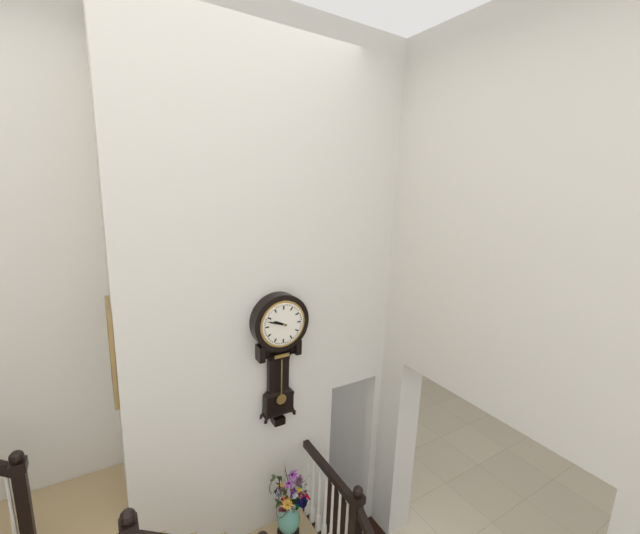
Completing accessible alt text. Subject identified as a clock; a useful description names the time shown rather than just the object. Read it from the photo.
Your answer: 9:48
